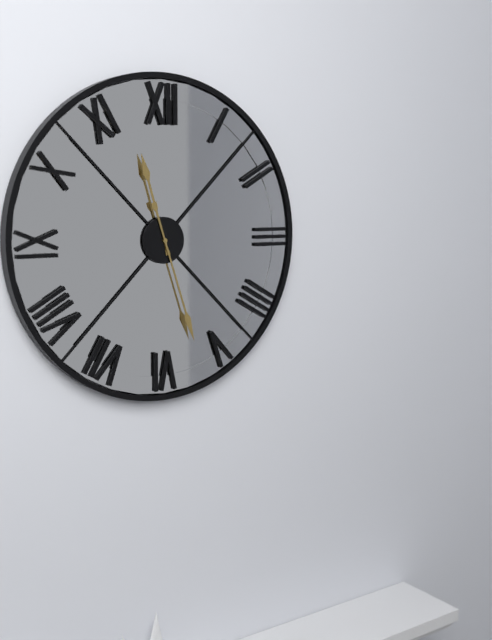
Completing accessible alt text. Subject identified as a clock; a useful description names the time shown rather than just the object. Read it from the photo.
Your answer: 11:27
